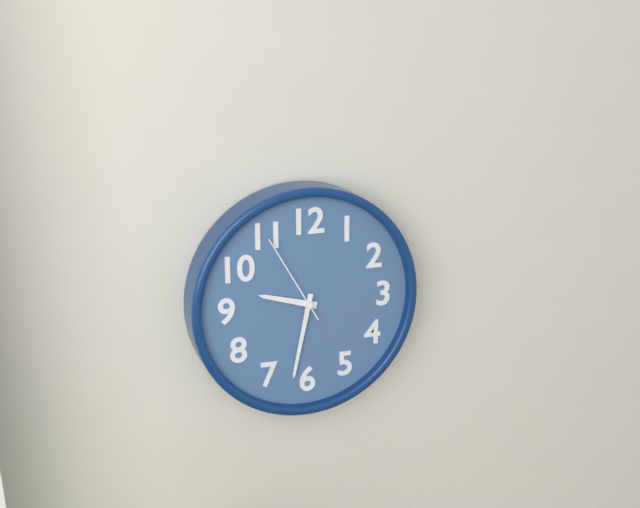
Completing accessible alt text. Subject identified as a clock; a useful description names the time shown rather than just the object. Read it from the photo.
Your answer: 9:32:55
